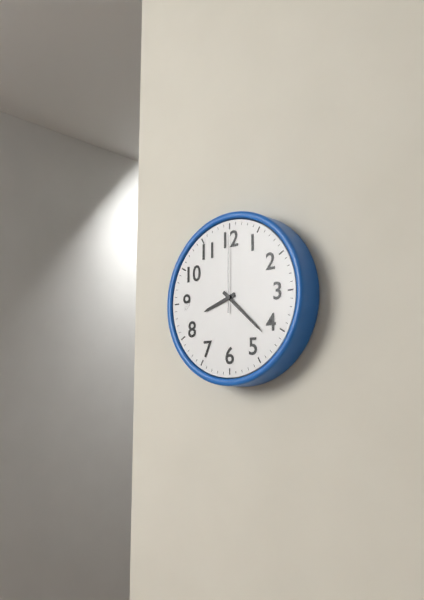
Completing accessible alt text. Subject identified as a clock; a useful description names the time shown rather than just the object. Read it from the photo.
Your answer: 8:22:00
